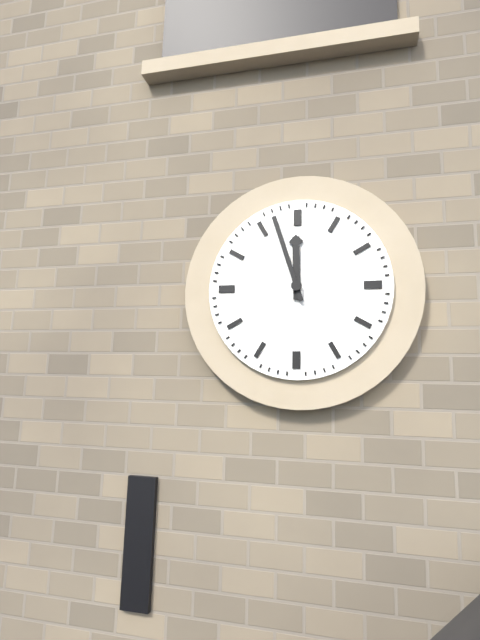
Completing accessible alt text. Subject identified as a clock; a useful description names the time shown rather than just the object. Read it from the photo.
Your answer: 11:57
